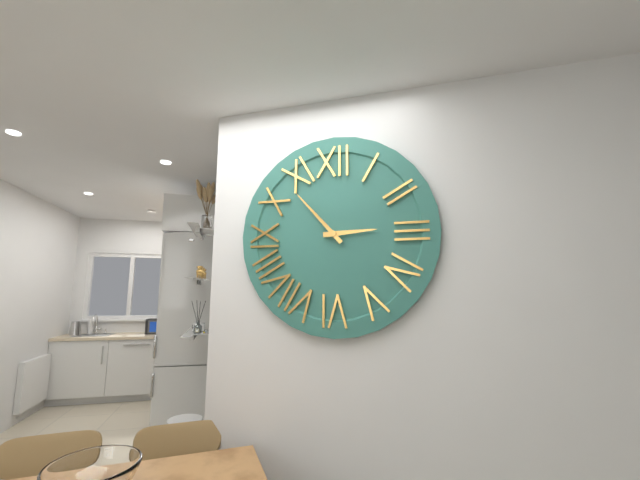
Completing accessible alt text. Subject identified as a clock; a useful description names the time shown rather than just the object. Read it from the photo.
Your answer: 2:53
